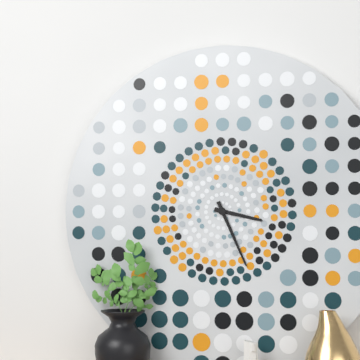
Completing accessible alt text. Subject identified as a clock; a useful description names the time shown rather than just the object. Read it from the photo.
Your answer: 3:26
